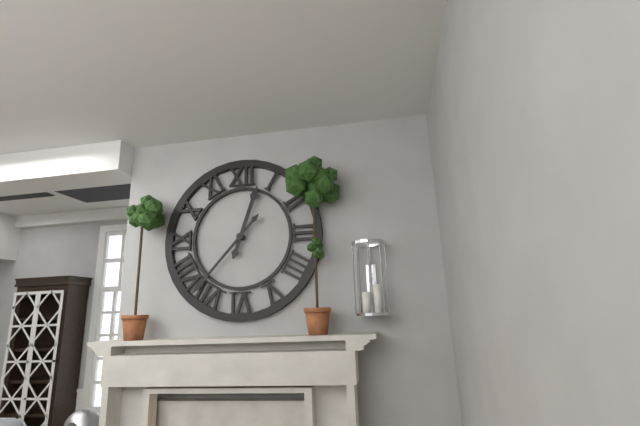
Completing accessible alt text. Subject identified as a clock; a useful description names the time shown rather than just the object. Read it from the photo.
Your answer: 12:37
